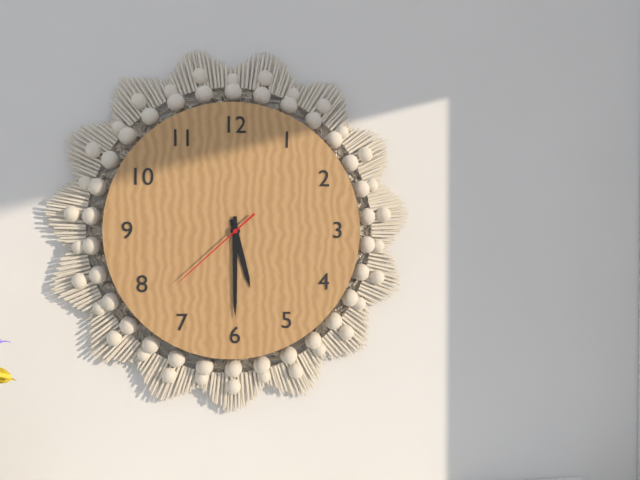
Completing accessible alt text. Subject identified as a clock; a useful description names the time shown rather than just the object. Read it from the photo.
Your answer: 5:30:38
